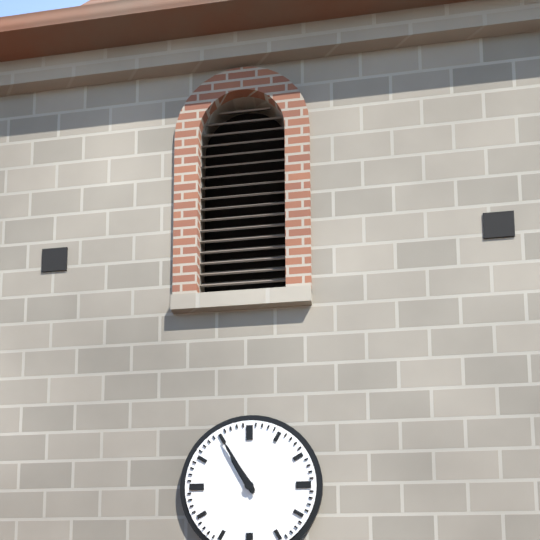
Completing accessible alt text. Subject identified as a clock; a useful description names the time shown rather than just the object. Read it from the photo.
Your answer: 10:55
